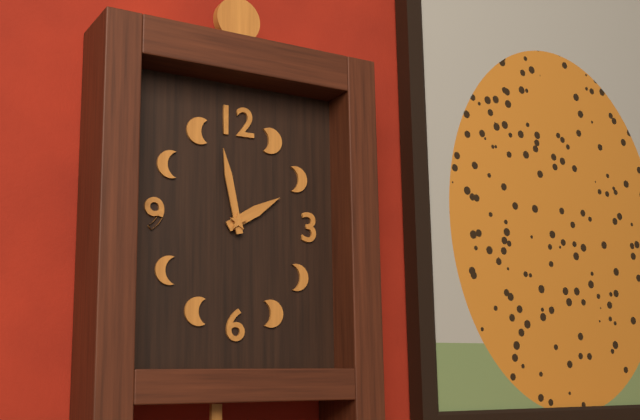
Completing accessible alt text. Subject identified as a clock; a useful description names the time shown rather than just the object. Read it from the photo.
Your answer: 1:58
